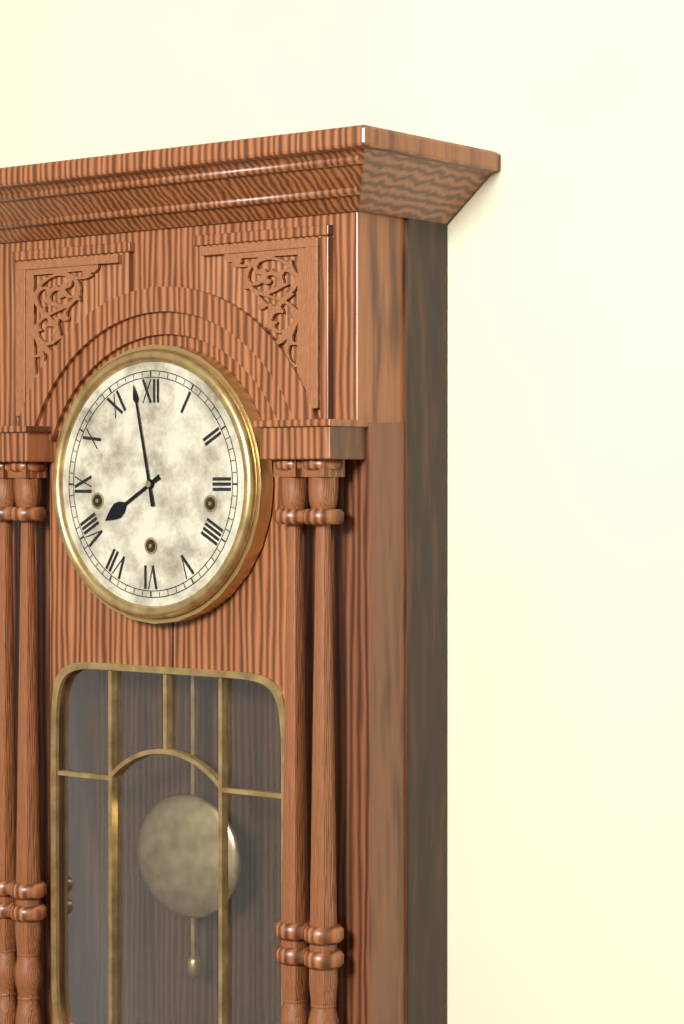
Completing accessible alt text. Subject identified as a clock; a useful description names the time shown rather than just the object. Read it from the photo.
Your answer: 7:58
